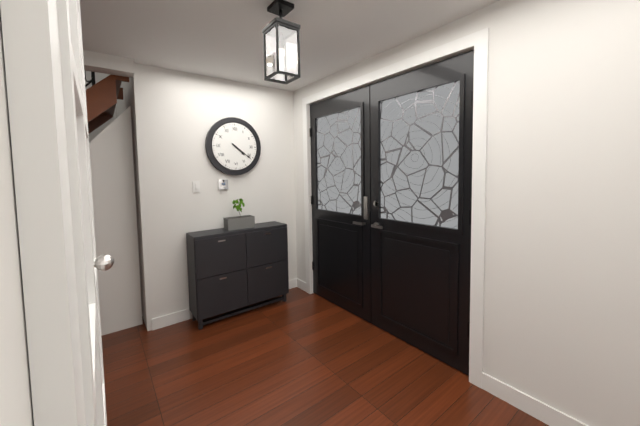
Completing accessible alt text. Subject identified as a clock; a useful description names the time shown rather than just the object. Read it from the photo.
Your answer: 4:21
